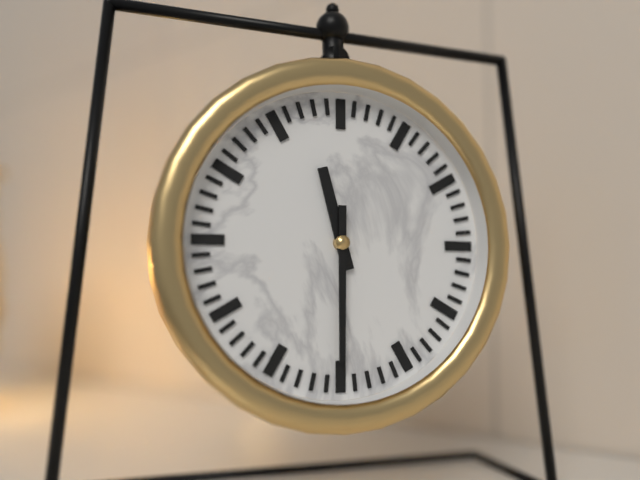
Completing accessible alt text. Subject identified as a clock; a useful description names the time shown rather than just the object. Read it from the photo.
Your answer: 11:30
